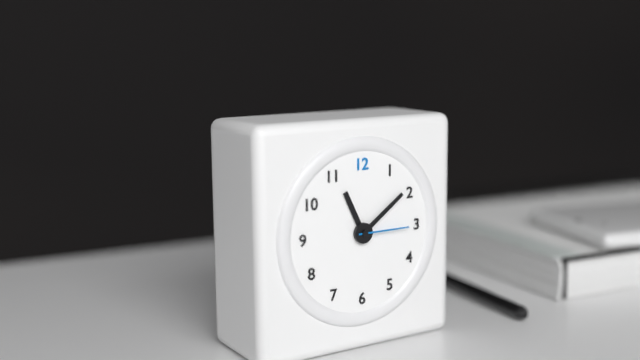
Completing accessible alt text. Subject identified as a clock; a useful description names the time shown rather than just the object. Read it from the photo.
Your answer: 11:09:15
